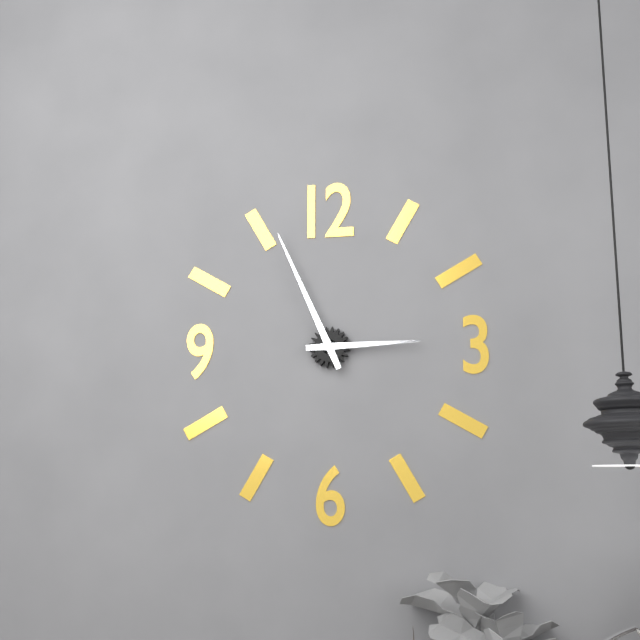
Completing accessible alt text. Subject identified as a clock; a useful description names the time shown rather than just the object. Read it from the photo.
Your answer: 2:56
